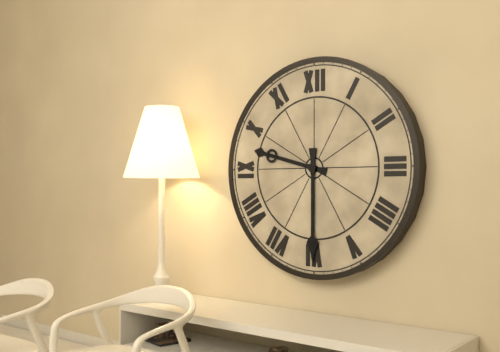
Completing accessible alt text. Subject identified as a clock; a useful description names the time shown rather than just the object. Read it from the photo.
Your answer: 9:30
